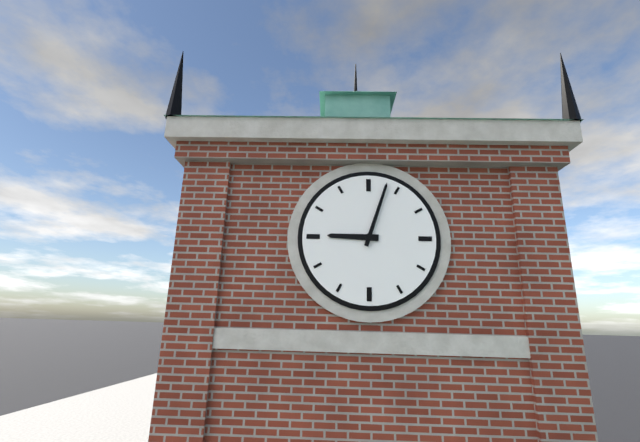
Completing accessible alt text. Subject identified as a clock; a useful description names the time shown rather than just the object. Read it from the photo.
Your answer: 9:03
